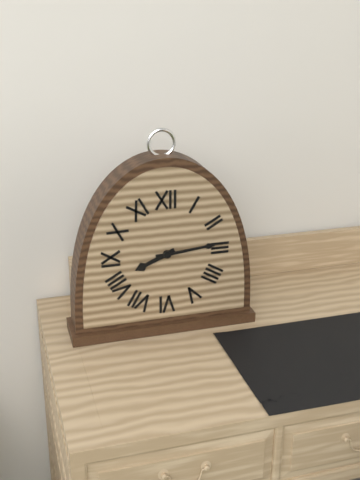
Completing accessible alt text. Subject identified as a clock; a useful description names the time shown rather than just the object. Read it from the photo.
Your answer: 8:14
